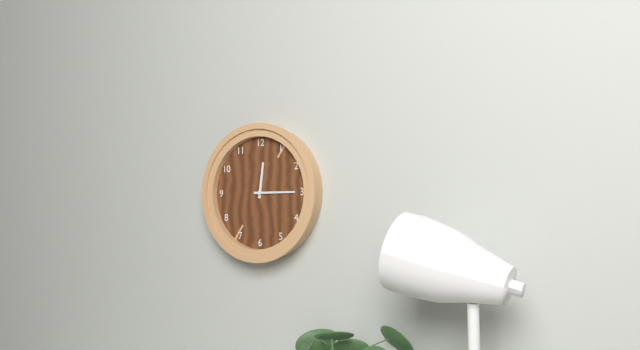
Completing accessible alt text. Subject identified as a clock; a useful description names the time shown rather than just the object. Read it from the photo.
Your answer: 12:15
